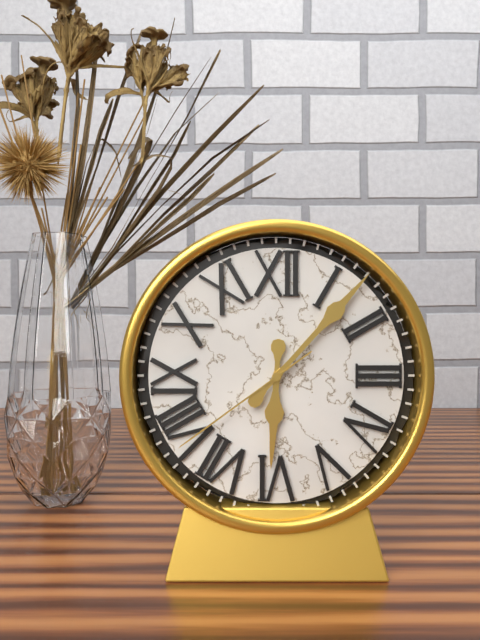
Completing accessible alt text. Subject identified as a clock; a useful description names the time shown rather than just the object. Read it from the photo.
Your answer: 6:07:39
